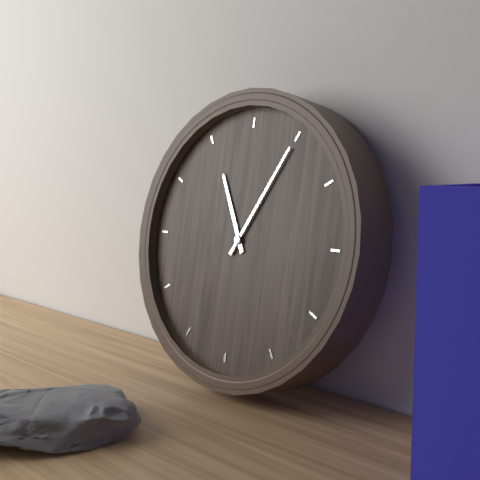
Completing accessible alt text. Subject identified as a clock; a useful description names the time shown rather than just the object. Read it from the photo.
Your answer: 11:05
